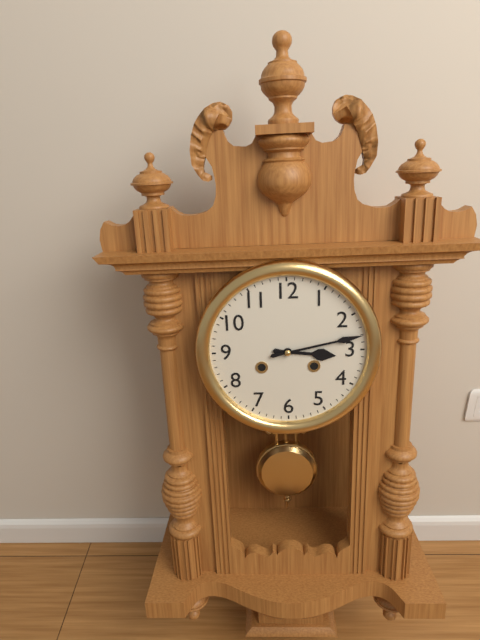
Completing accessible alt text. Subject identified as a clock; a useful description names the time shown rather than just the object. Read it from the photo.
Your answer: 3:13
